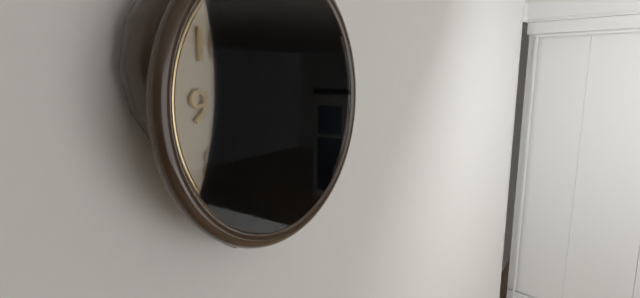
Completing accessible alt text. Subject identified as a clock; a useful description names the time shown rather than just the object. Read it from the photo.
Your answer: 6:31:09
